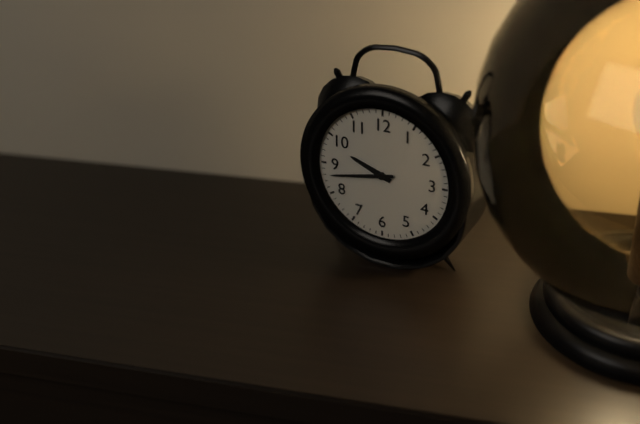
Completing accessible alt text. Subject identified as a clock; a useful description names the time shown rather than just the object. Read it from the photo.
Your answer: 9:43
